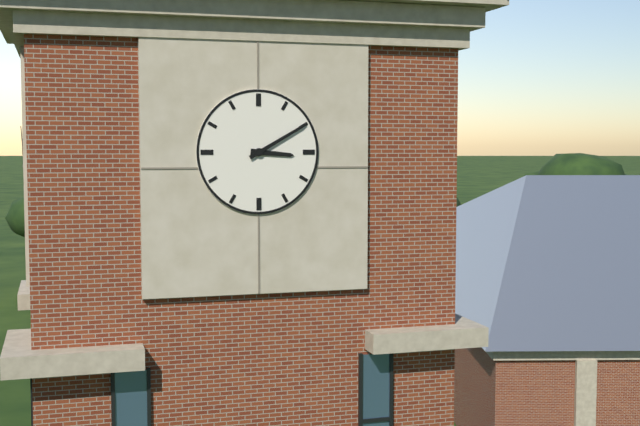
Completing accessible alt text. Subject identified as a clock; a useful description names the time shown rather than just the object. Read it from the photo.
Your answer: 3:10
